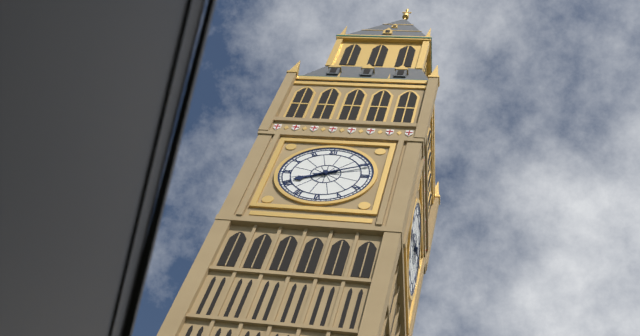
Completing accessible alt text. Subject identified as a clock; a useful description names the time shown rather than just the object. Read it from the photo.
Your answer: 8:11
